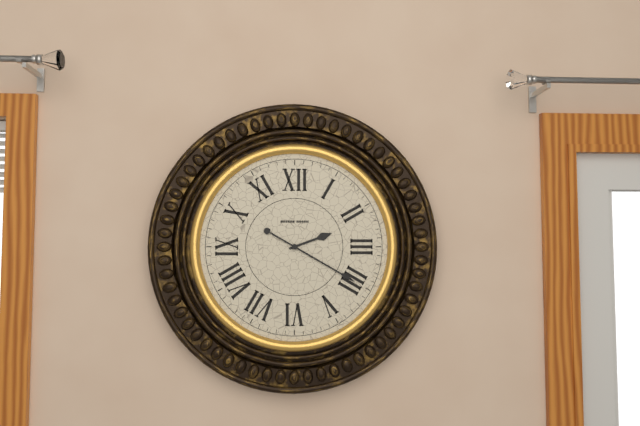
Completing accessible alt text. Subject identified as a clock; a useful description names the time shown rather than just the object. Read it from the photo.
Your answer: 2:20
